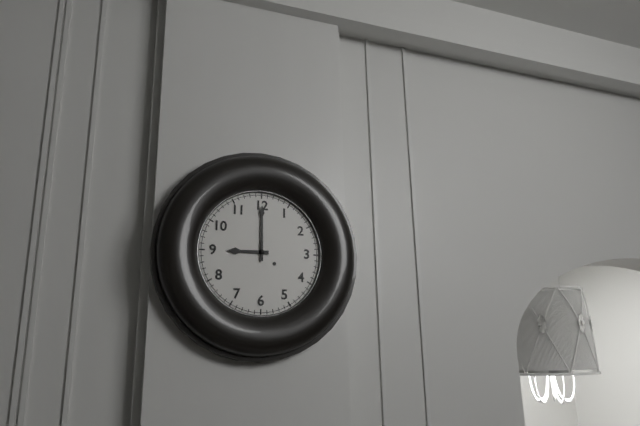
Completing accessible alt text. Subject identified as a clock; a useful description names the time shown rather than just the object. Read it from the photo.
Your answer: 9:00
